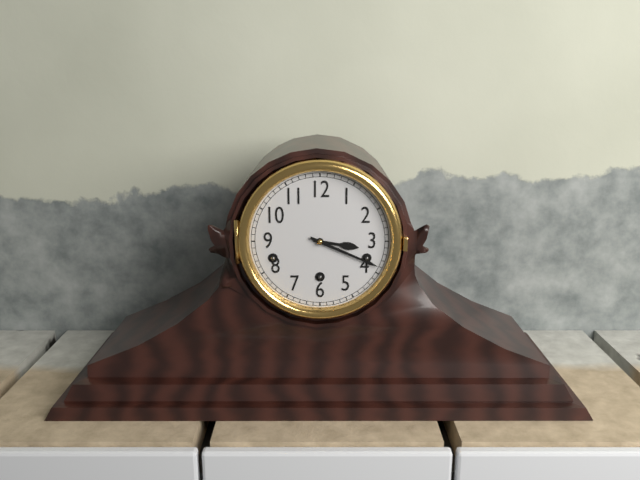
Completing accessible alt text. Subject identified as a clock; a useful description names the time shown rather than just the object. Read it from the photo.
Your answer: 3:19
